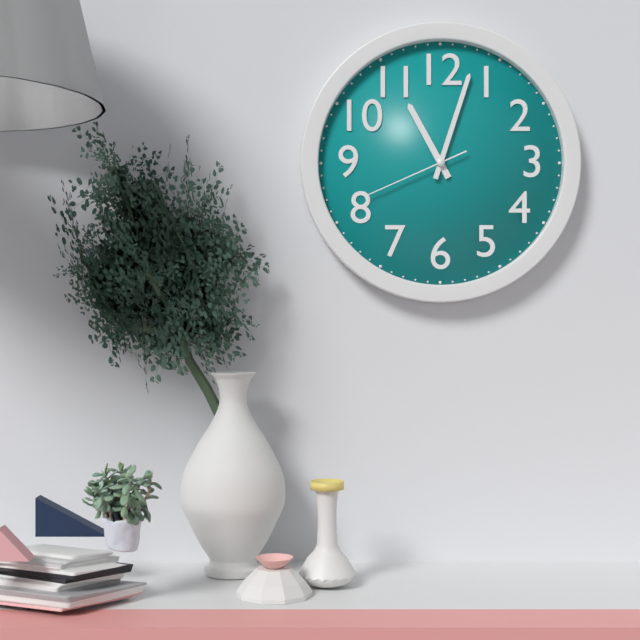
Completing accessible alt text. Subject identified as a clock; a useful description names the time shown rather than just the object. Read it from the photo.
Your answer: 11:03:41
